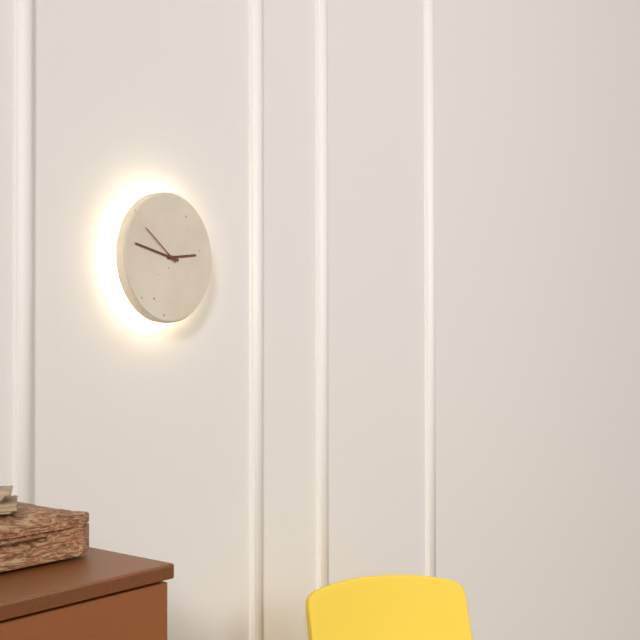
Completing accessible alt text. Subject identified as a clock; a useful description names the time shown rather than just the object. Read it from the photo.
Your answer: 2:47
